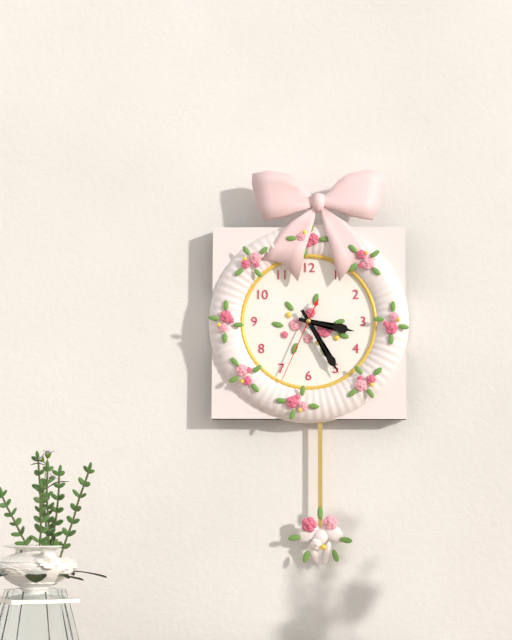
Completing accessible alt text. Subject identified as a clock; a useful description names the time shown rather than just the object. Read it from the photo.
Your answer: 3:25:34
